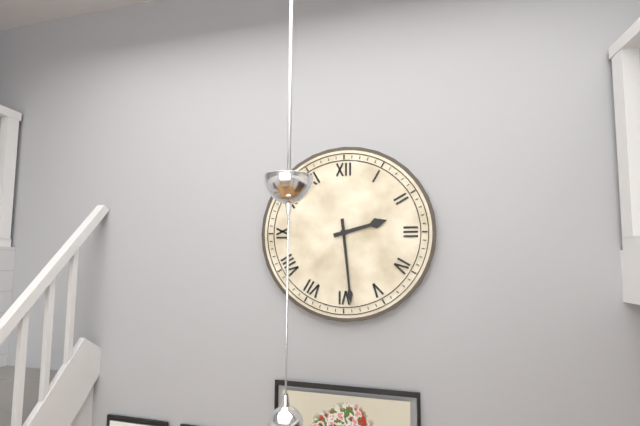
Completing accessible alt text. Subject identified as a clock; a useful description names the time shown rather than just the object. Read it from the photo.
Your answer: 2:29
